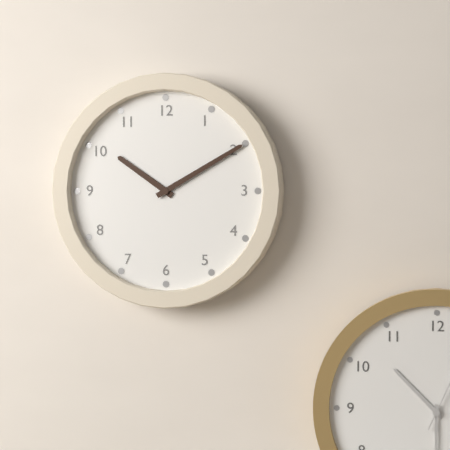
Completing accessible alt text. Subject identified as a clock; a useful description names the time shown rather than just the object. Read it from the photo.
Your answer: 10:10
